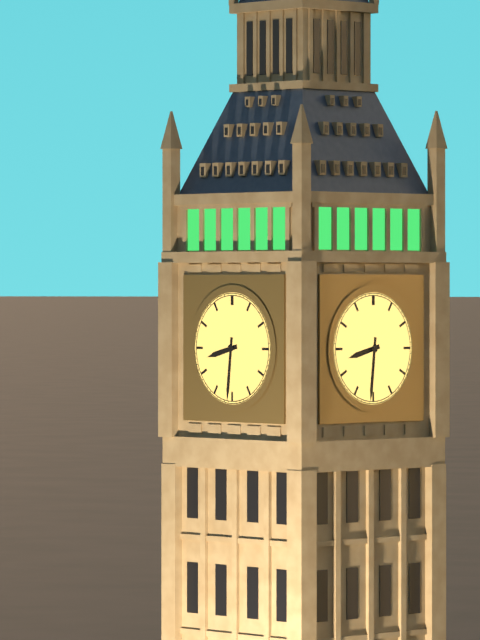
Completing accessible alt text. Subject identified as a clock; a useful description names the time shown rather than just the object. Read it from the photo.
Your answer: 8:31
